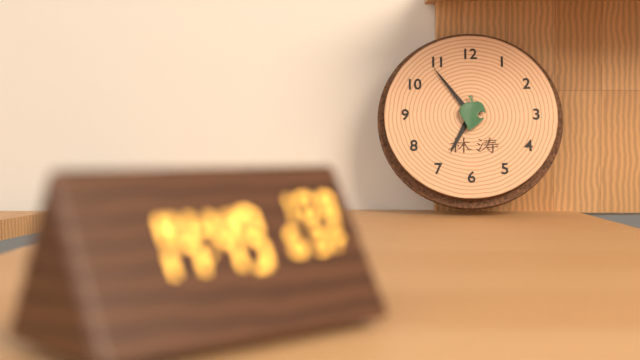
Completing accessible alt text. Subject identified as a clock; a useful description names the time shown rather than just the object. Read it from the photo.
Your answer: 6:54
